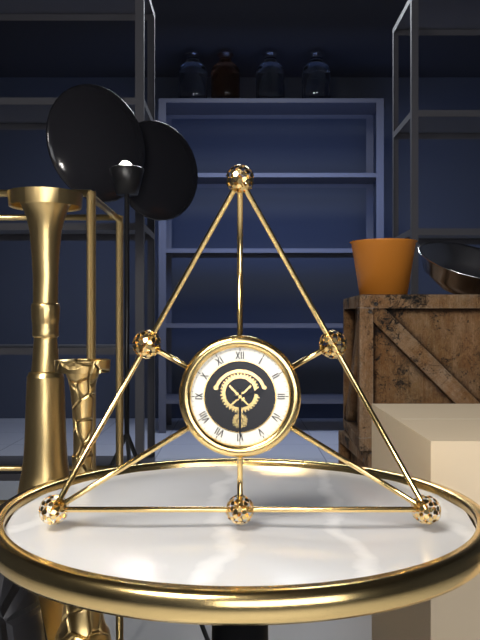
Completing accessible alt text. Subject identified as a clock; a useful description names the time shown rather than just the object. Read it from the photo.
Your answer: 2:30
